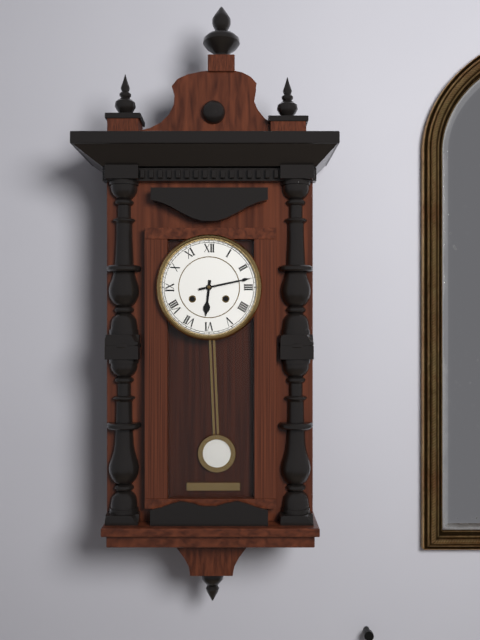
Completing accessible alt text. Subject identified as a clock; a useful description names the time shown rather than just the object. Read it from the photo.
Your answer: 6:13
